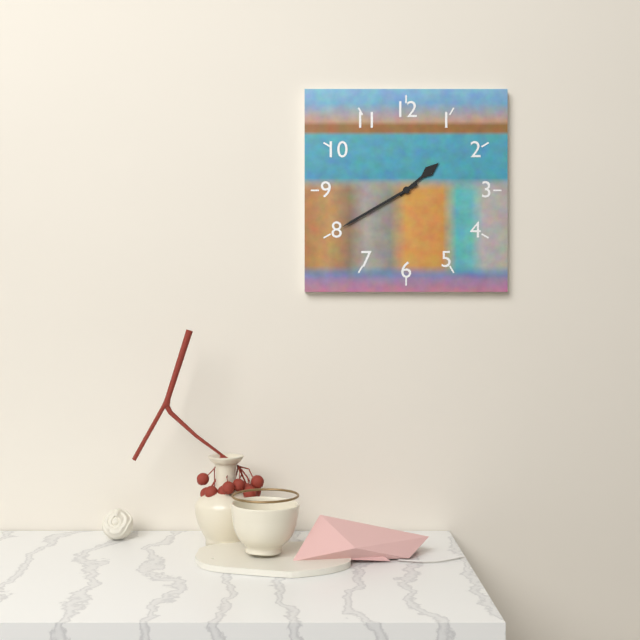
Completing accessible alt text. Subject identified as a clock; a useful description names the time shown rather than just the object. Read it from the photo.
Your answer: 1:40
